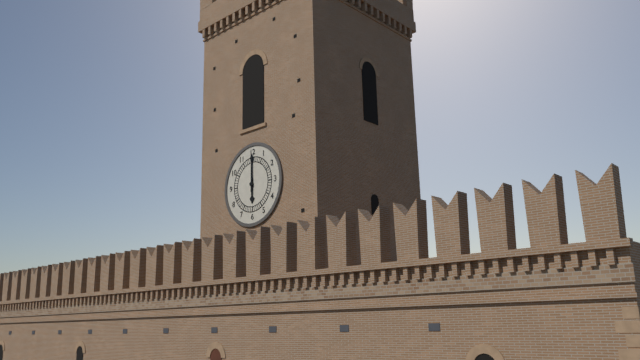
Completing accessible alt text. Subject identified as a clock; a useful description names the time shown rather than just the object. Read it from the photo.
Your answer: 6:00
